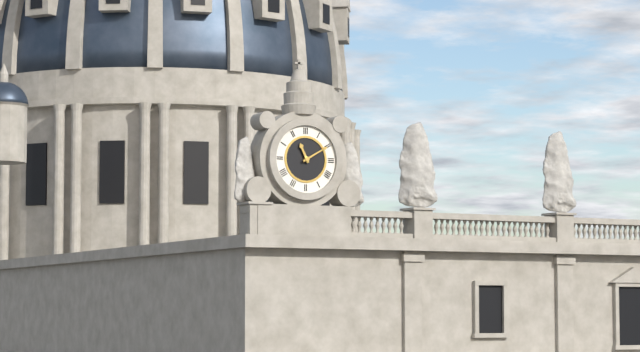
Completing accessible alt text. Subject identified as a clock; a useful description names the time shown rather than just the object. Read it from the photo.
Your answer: 11:10
